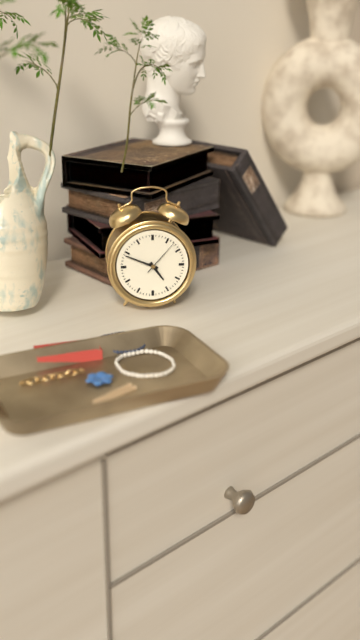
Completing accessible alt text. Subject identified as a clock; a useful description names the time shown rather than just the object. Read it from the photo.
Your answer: 4:49
